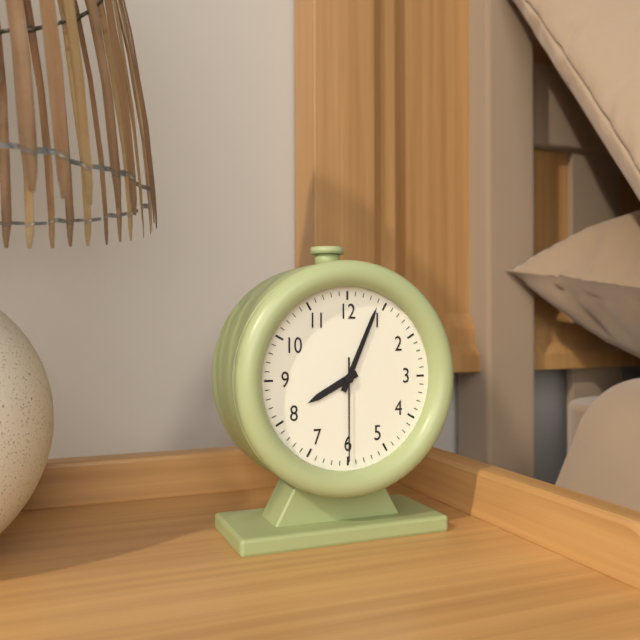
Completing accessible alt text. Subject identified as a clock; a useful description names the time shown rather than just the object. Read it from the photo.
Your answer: 8:04:30
